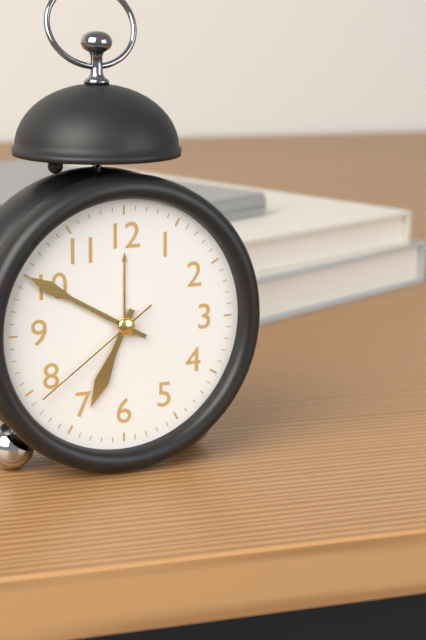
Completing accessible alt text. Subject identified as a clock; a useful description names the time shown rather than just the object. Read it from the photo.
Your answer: 6:50:39
